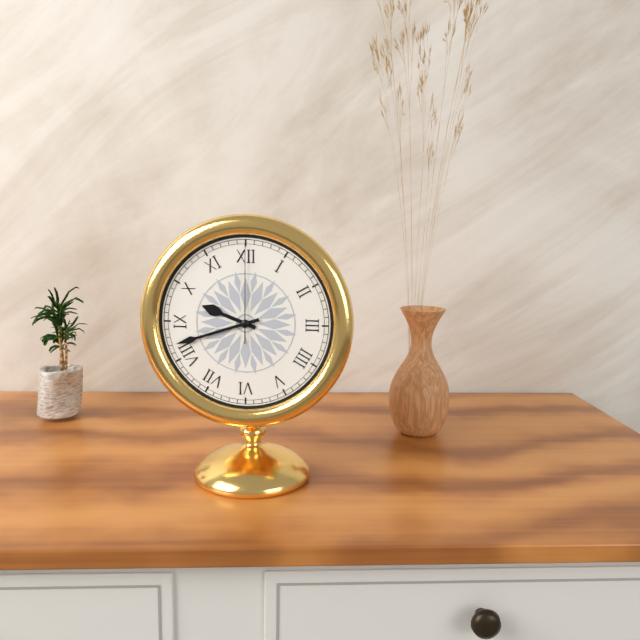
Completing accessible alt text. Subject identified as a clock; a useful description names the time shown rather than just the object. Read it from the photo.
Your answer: 9:42:00
